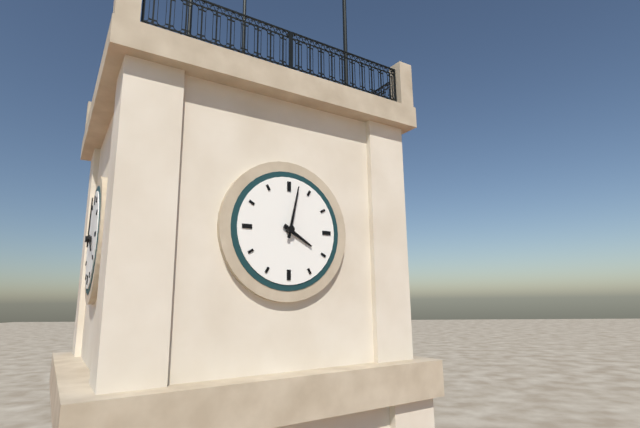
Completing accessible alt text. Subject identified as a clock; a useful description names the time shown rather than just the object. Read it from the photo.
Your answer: 4:02
